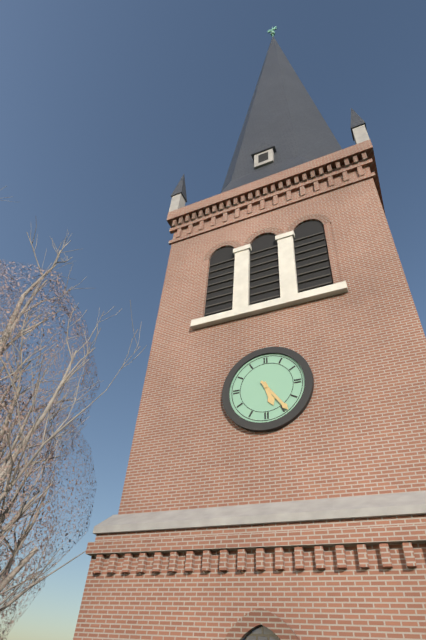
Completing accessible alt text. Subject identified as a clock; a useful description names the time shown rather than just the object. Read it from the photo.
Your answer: 5:24
